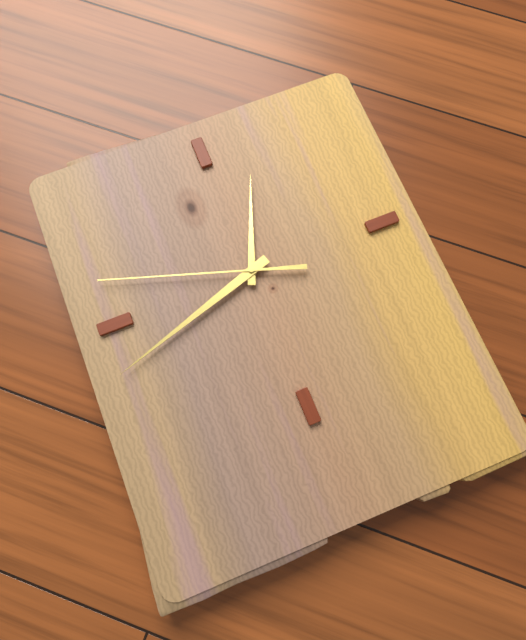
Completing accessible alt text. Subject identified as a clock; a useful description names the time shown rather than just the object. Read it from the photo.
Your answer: 12:42:48
